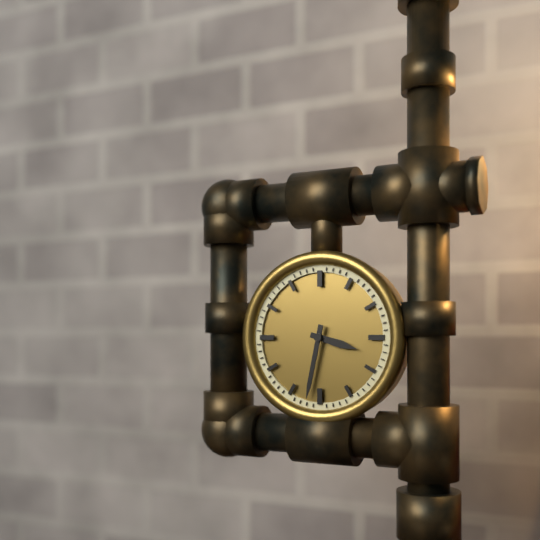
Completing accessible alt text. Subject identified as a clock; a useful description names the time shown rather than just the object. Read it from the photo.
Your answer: 3:32
